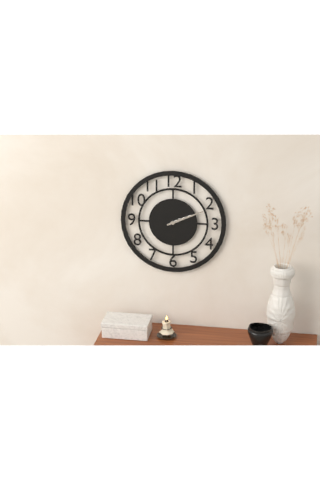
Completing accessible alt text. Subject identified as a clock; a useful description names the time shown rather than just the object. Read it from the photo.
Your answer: 2:11
